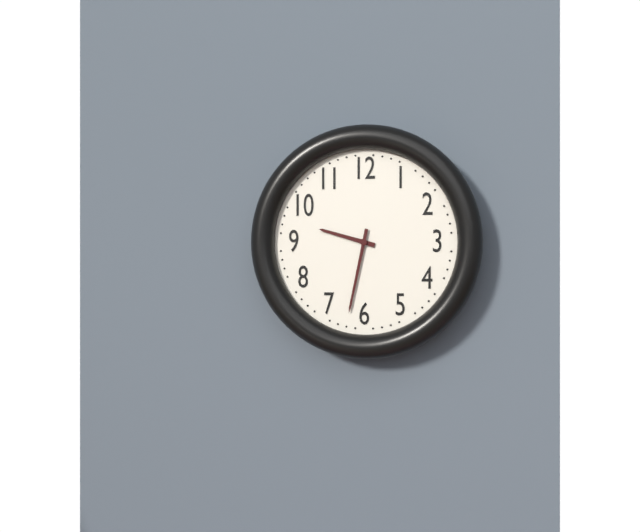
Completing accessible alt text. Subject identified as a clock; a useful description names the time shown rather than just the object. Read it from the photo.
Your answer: 9:32
